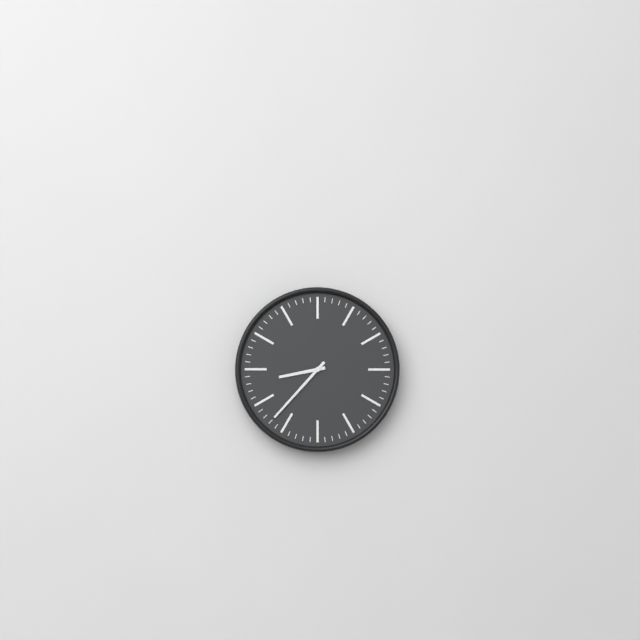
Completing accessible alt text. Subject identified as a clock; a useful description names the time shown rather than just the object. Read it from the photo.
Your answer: 8:37
